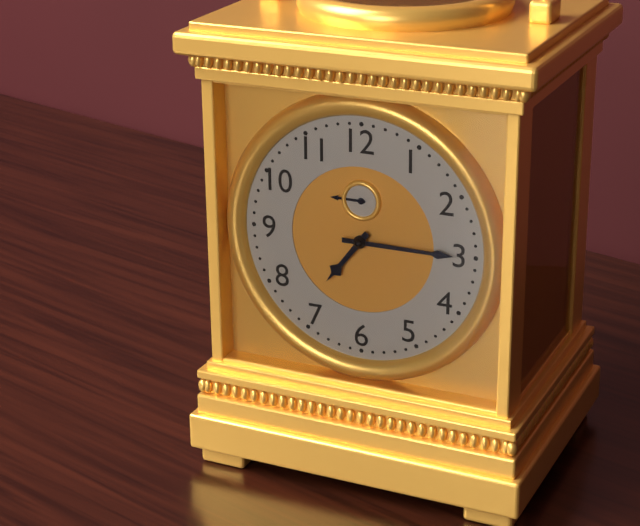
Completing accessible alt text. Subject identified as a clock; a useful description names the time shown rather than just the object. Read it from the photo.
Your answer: 7:15
